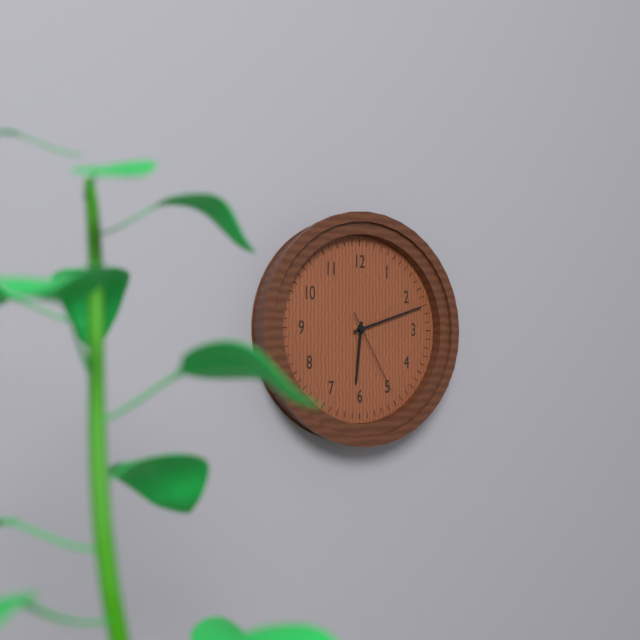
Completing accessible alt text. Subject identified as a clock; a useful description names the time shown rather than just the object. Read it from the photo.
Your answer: 6:12:25
